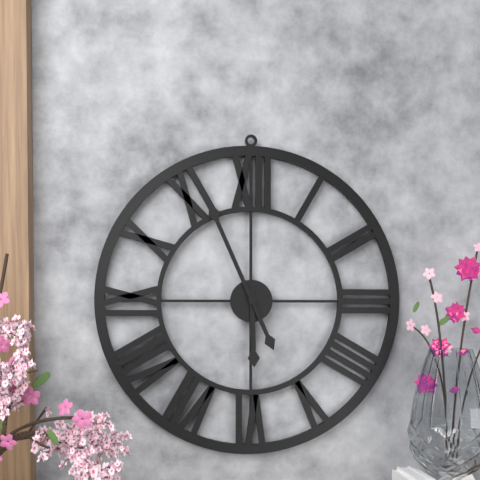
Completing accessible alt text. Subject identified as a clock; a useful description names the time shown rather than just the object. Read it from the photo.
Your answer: 5:56
